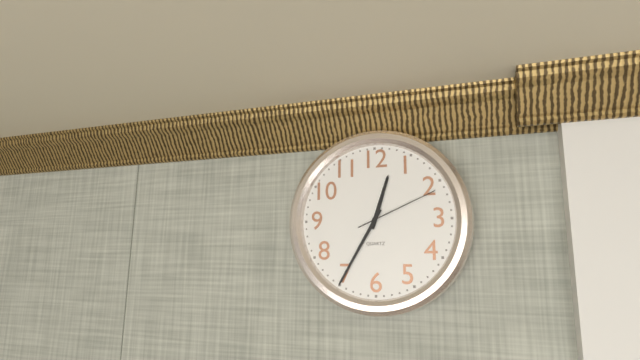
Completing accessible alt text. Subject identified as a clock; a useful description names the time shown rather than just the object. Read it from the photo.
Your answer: 12:35:11
